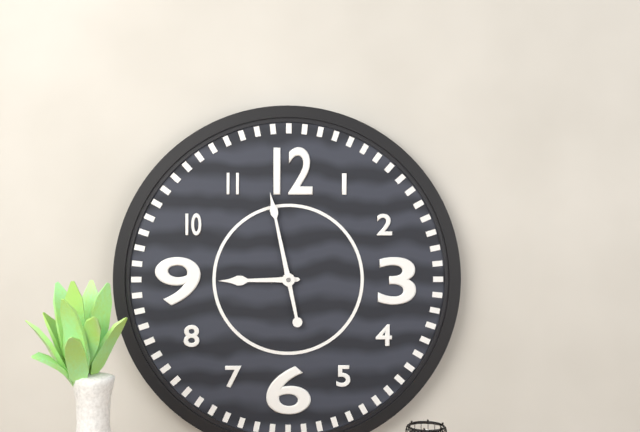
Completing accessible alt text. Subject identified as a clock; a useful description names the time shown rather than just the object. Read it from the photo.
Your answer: 8:58
